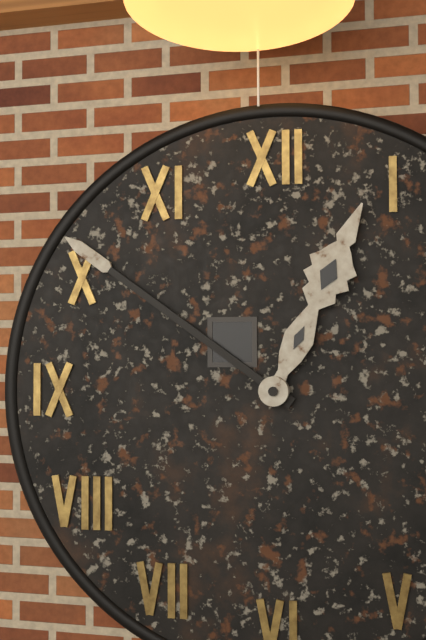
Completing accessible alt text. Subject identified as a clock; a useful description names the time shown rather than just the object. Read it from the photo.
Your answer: 12:51
